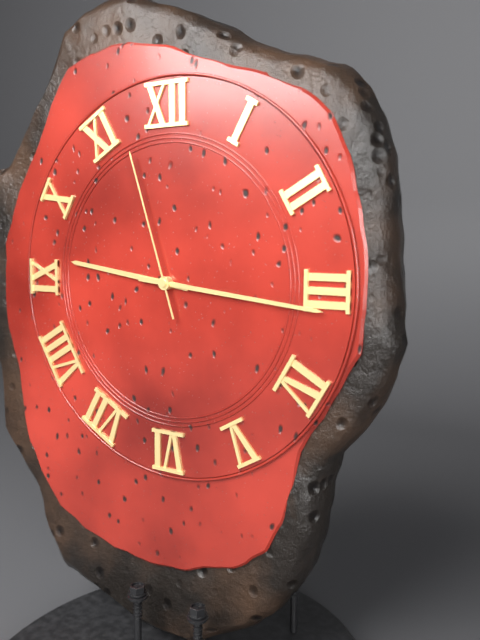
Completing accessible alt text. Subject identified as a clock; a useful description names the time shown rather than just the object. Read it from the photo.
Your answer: 9:16:57
